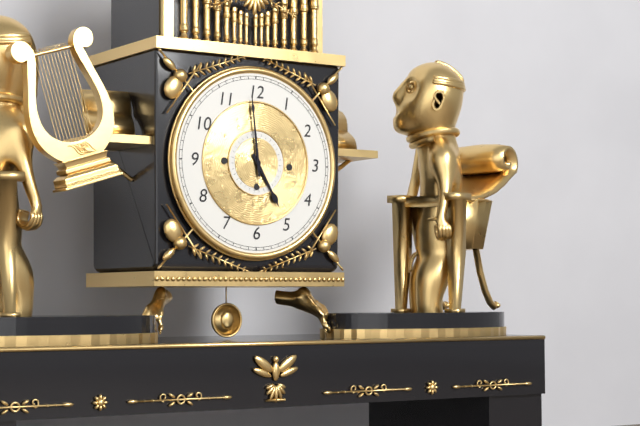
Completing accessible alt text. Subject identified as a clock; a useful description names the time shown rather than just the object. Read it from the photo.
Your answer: 4:59
